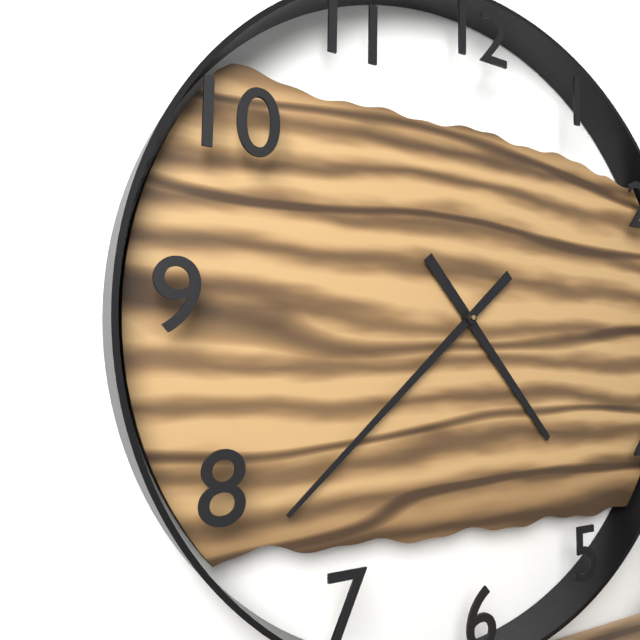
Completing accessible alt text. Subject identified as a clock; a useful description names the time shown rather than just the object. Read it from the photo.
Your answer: 4:38
